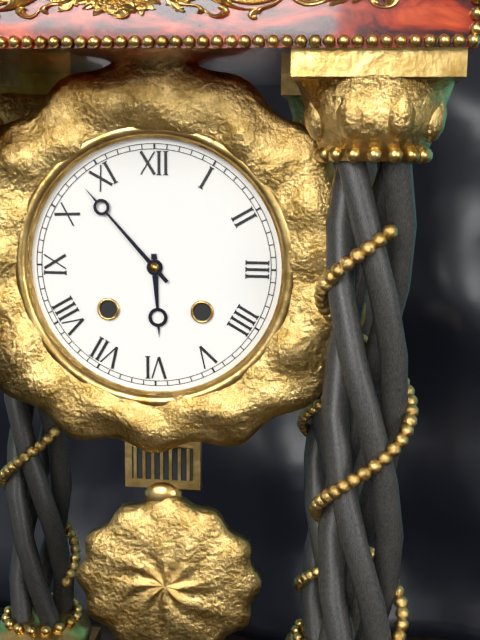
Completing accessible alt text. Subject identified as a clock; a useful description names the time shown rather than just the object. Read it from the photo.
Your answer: 5:53
